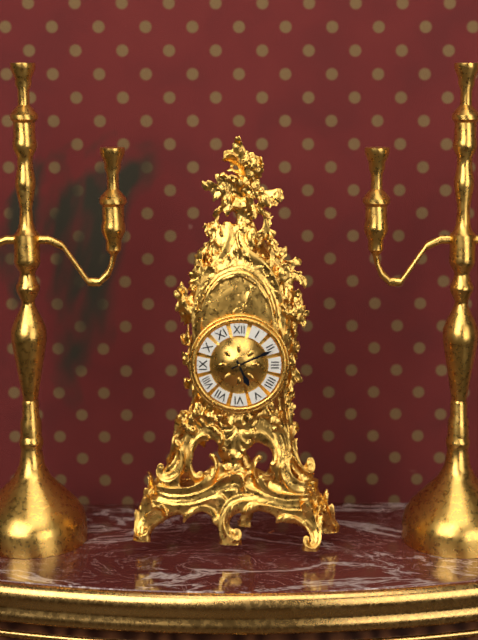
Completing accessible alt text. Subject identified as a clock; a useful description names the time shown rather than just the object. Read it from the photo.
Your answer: 5:11
